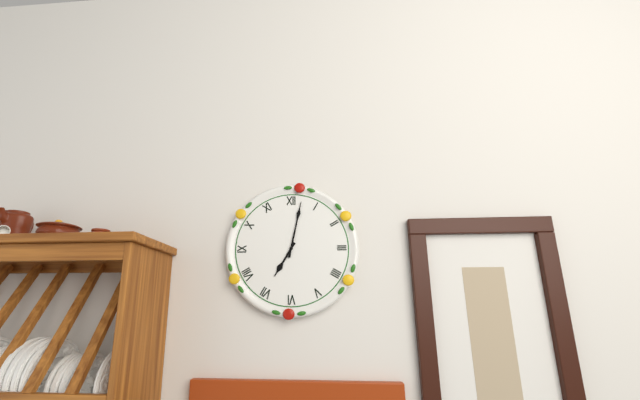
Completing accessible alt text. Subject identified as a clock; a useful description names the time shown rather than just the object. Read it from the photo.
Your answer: 7:02
